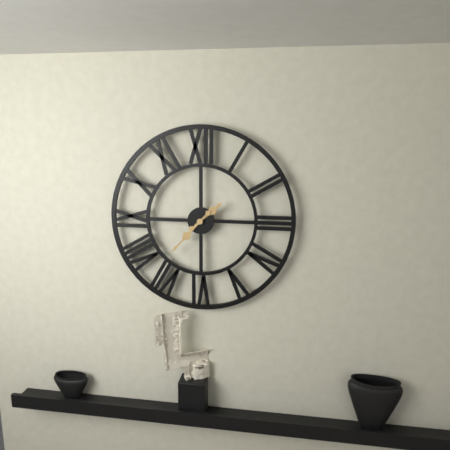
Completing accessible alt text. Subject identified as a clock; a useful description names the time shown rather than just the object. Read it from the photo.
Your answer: 1:37
